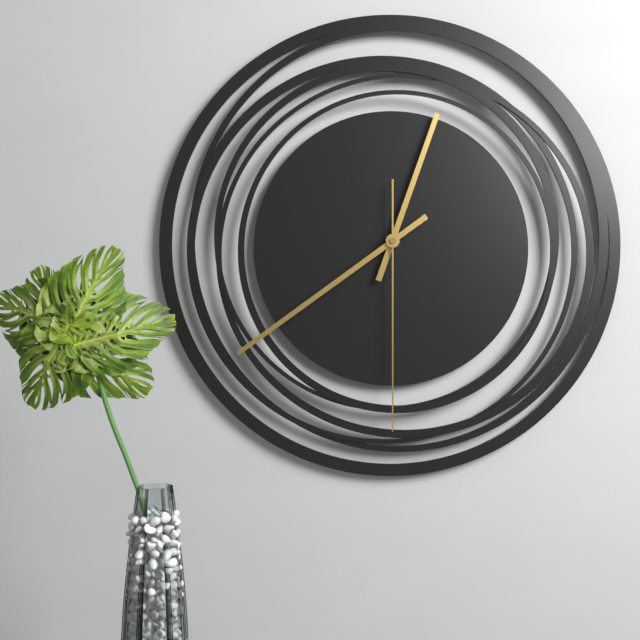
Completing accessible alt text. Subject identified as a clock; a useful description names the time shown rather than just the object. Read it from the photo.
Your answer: 12:39:30
